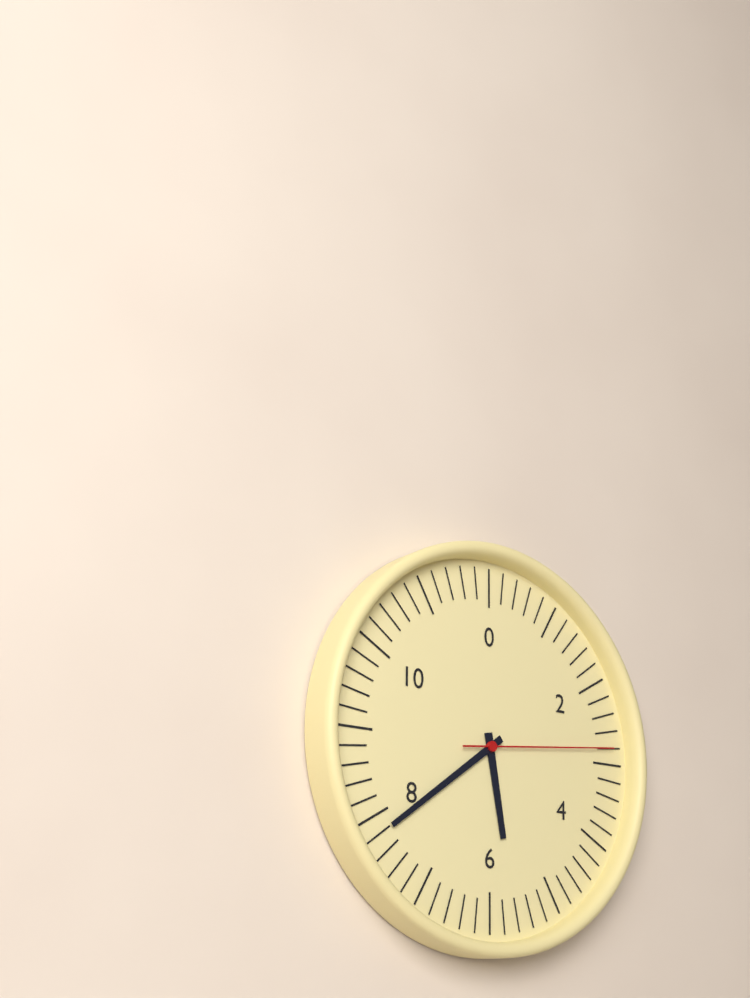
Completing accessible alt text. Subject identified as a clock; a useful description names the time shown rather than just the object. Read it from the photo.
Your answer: 5:39:14
